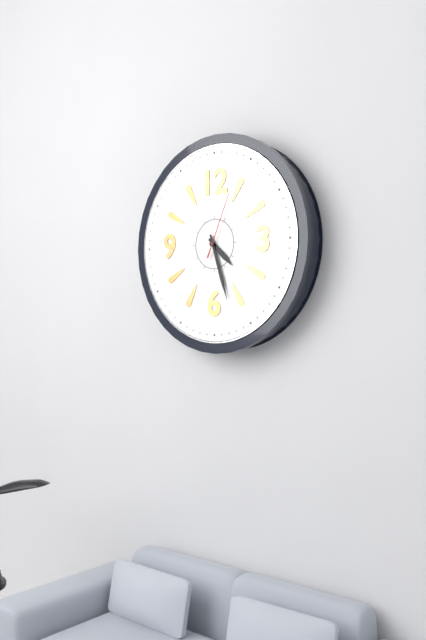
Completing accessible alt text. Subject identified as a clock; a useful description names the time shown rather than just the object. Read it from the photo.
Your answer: 4:27:04
